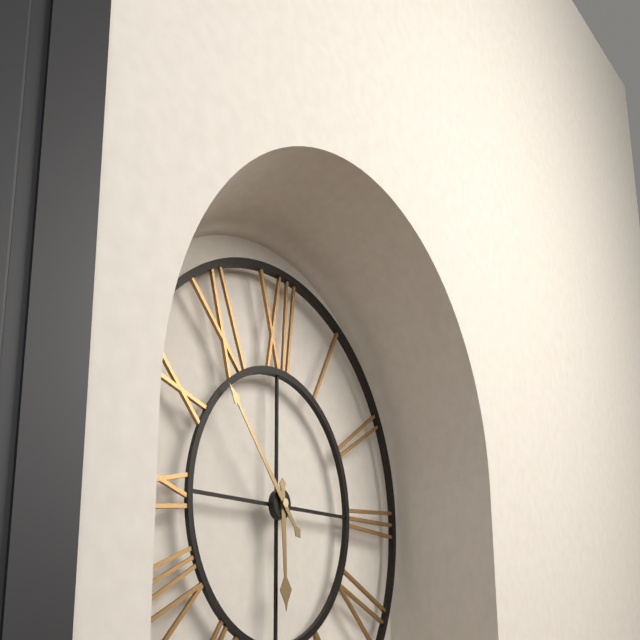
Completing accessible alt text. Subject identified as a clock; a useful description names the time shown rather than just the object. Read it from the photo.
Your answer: 5:53
